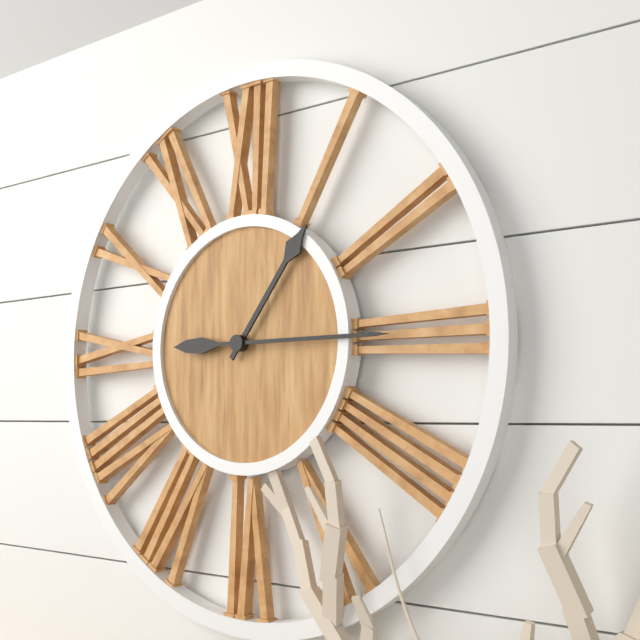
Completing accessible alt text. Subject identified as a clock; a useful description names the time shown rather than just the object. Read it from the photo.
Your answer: 1:15
